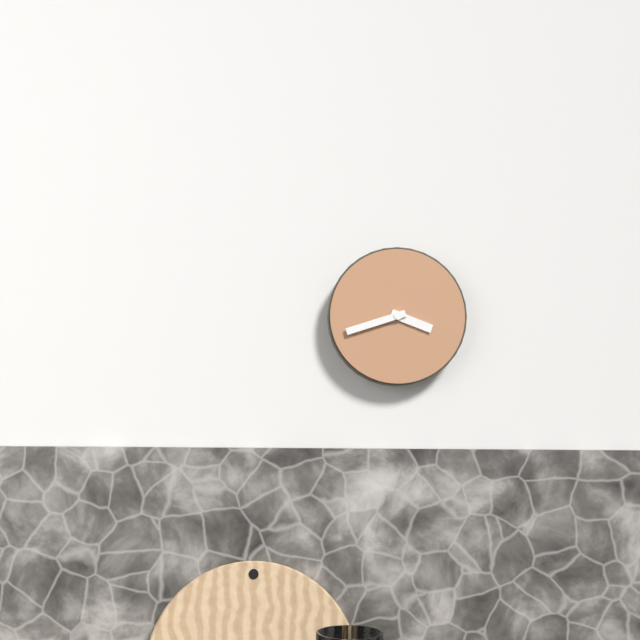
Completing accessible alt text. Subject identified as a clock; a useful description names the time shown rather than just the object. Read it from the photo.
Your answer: 3:42
